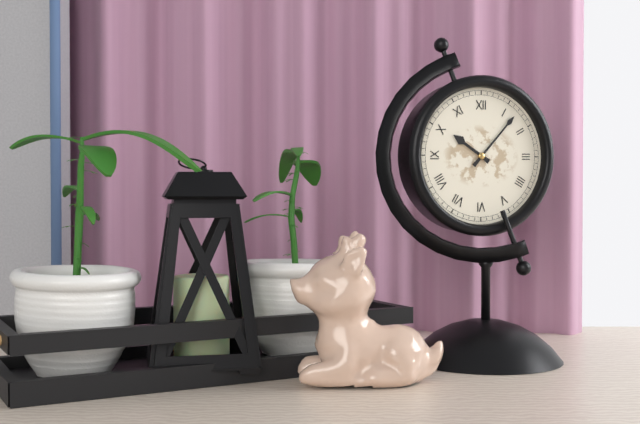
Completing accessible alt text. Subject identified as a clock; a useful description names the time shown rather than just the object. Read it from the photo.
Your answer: 10:07
